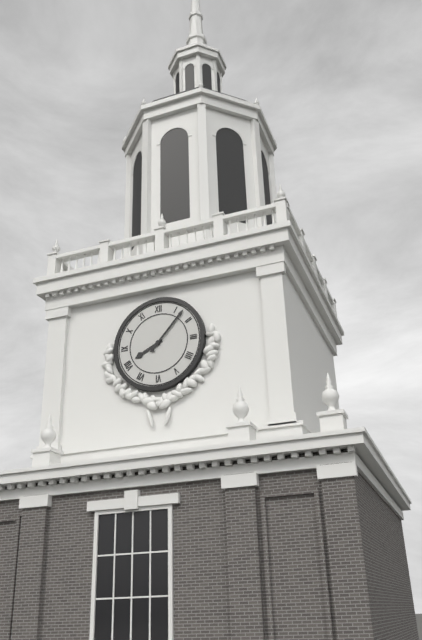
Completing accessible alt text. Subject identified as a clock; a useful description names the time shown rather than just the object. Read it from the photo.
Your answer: 8:07
